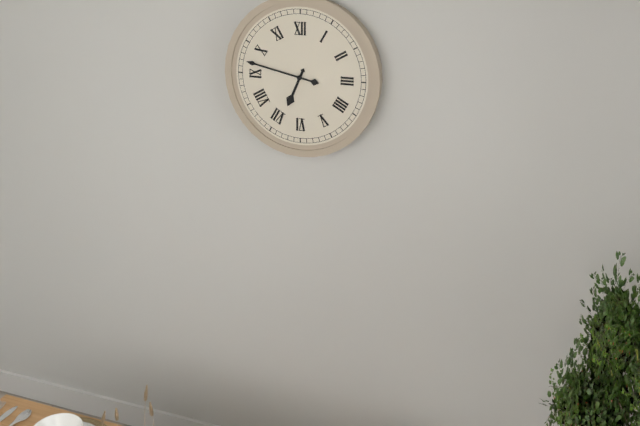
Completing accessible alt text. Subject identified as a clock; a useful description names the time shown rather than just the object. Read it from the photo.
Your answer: 6:47
